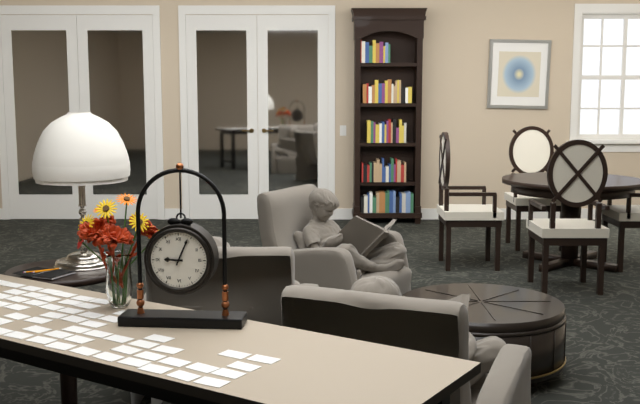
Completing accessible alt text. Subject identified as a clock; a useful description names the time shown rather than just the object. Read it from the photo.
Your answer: 9:04
